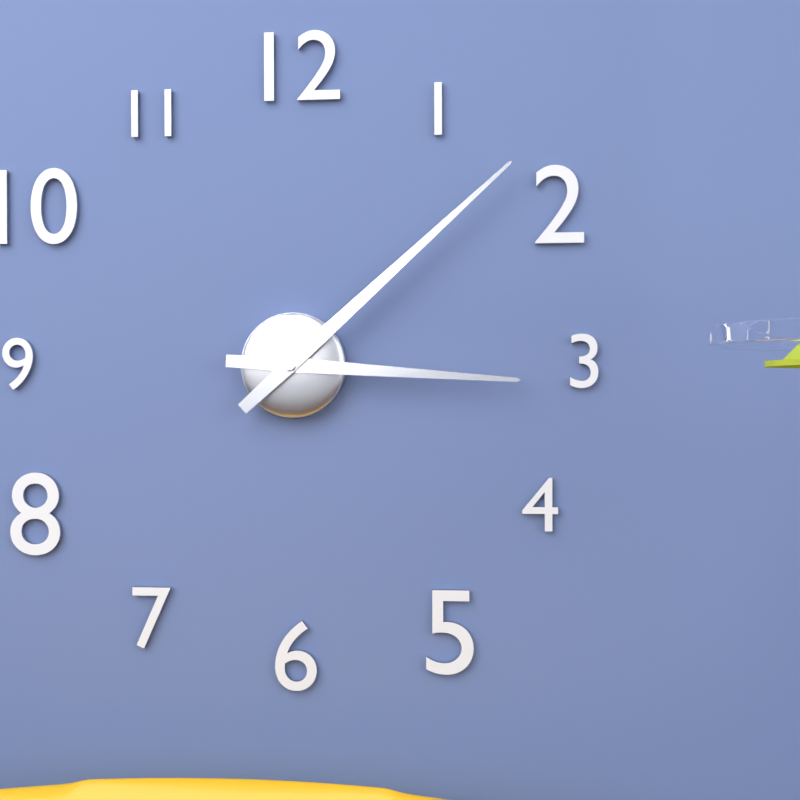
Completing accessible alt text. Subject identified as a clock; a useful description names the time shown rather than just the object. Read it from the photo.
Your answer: 3:08
